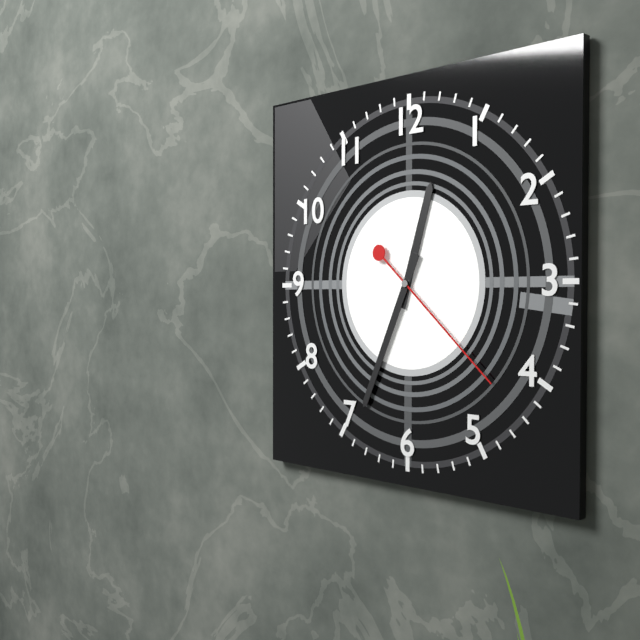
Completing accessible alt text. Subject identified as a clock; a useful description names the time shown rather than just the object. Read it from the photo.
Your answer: 12:34:22
